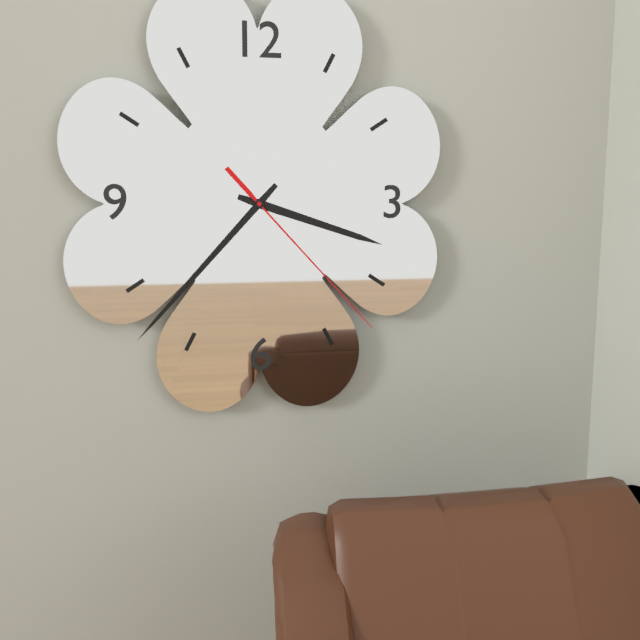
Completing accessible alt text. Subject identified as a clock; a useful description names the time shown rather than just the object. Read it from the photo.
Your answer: 3:37:23
